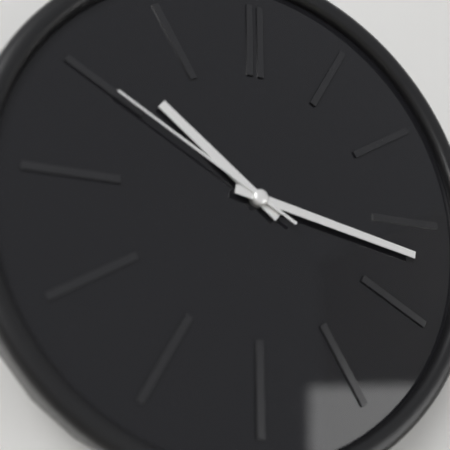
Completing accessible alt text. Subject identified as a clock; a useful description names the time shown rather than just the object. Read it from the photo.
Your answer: 10:17:50
